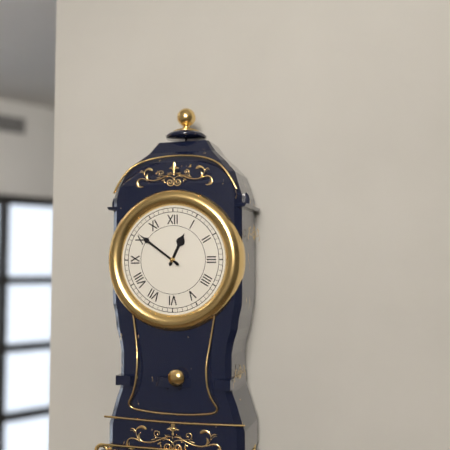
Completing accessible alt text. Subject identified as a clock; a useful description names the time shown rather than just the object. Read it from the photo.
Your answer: 12:51
